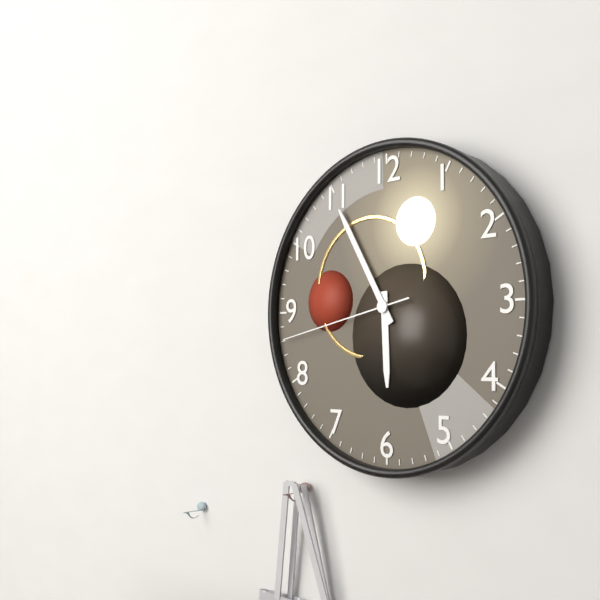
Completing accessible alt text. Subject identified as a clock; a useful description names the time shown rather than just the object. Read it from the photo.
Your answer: 5:55:43
